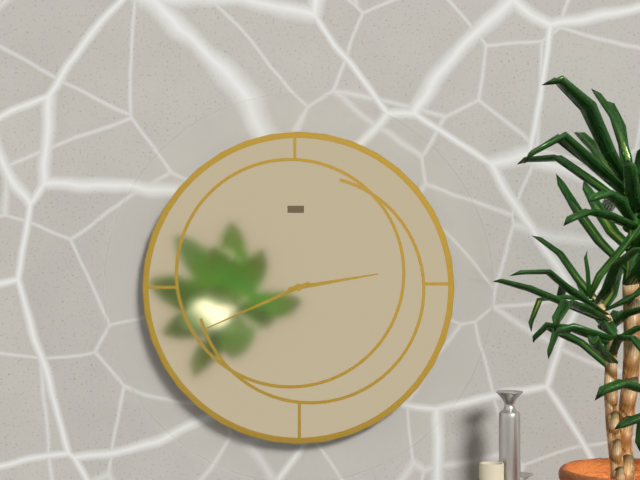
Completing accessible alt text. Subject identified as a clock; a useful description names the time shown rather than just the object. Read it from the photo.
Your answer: 2:41
